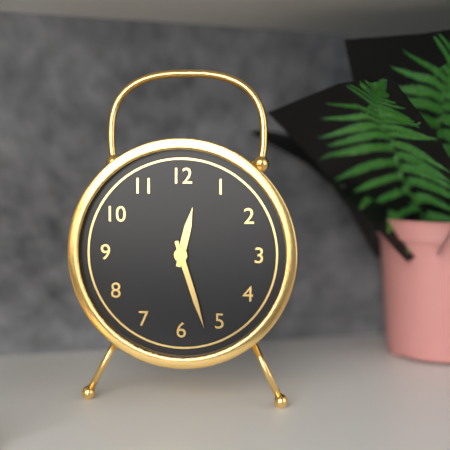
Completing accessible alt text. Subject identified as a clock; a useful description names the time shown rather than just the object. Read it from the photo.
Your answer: 12:27
